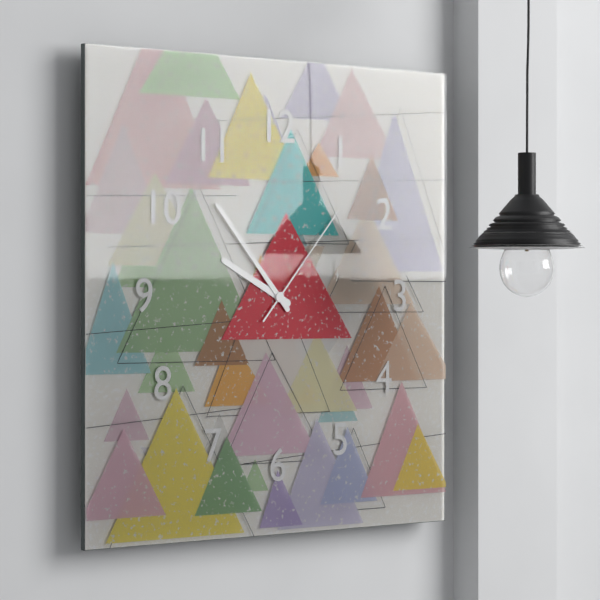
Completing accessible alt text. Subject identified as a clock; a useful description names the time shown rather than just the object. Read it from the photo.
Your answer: 9:53:07
